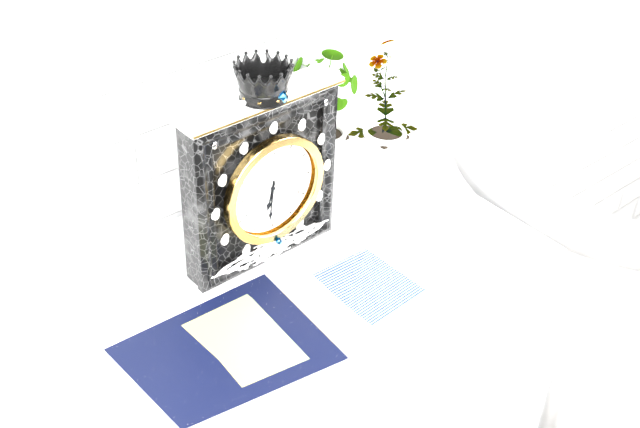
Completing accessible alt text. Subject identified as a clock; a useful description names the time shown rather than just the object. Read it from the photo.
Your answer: 6:31
